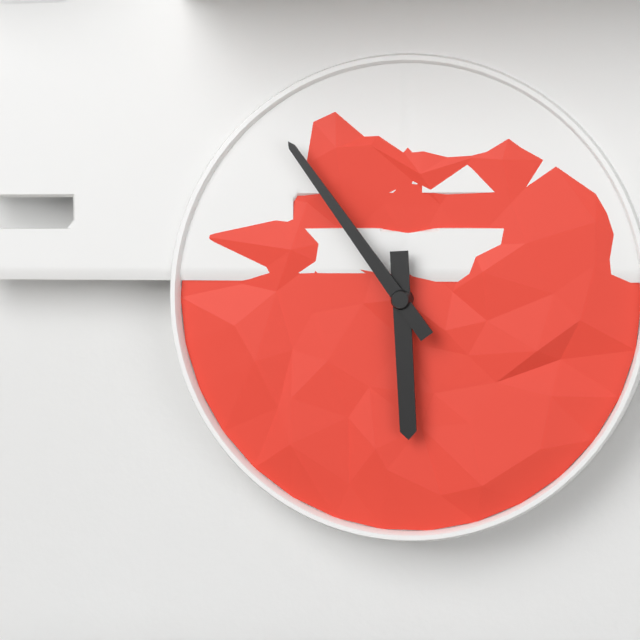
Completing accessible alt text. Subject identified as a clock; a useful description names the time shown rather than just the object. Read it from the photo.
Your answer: 5:54
